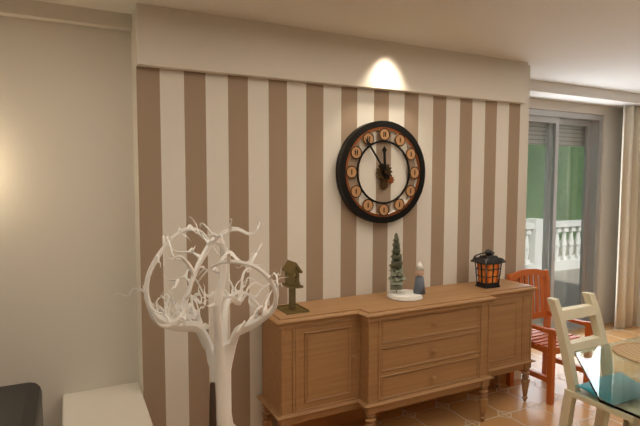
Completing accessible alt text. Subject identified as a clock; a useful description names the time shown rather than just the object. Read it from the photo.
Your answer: 11:54
